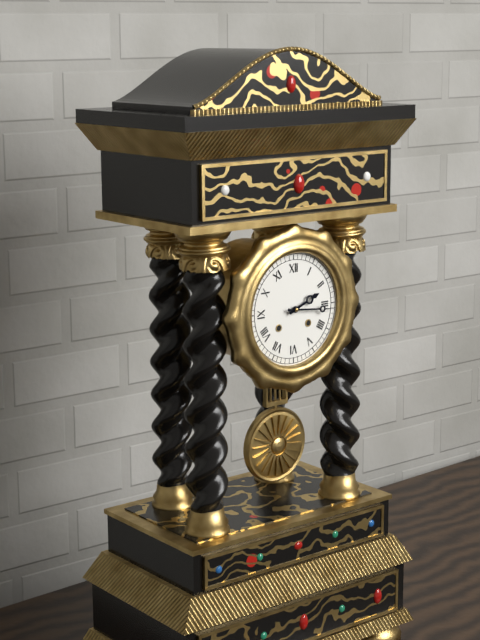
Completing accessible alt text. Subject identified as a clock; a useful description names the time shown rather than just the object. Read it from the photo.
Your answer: 2:16
